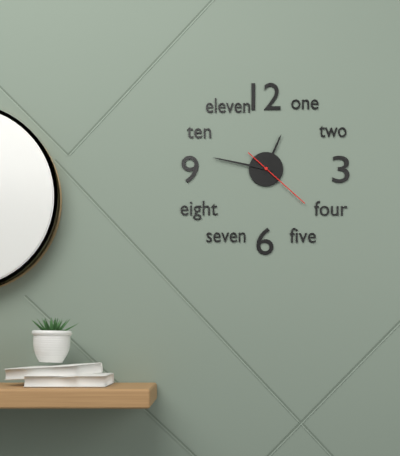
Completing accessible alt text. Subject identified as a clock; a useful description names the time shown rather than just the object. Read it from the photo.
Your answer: 12:47:22
